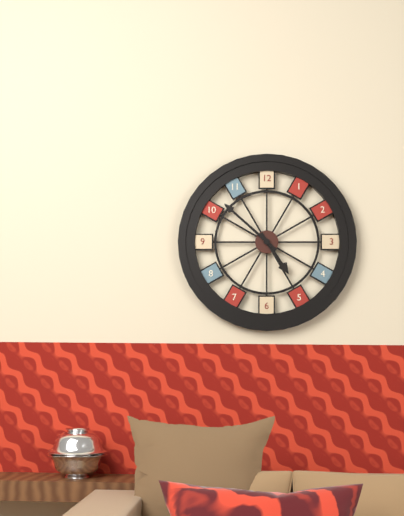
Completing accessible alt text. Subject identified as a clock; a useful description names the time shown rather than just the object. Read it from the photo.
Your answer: 4:52
